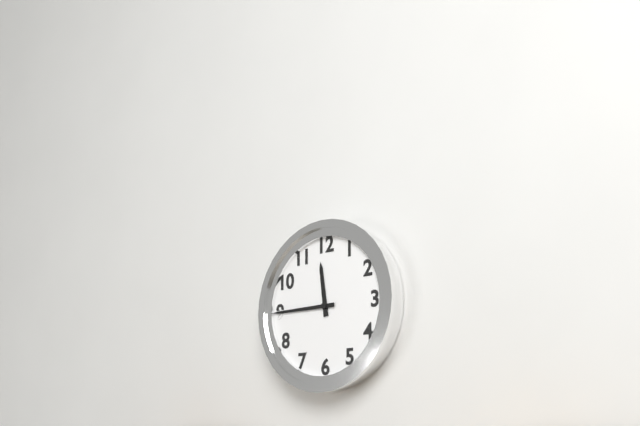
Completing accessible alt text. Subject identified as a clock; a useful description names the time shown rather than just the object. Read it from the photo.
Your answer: 11:45
